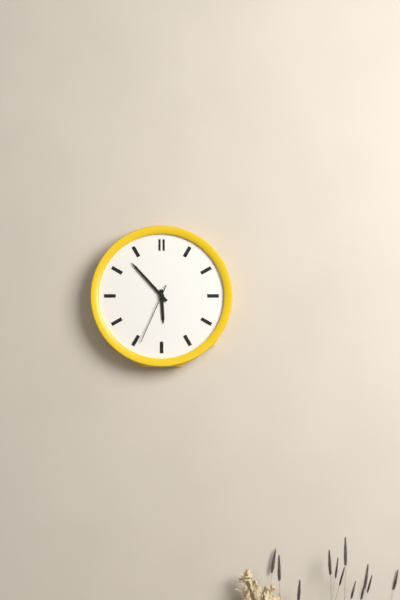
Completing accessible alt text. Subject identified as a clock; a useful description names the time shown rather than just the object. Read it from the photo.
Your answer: 5:53:34
